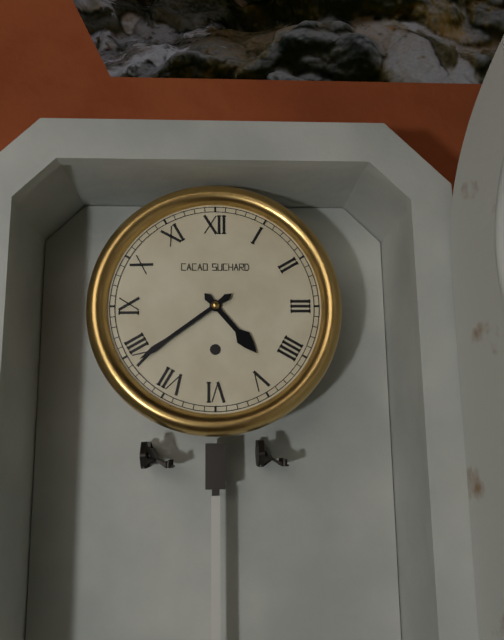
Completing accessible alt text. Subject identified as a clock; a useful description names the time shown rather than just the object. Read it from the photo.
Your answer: 4:39
